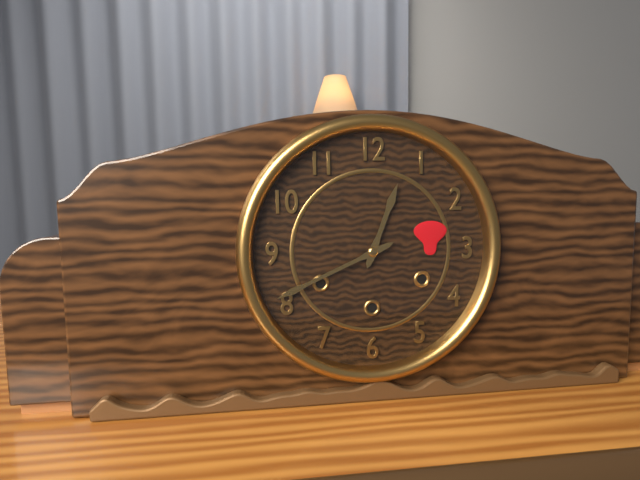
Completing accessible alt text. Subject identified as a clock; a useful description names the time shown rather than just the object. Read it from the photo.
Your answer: 12:41
